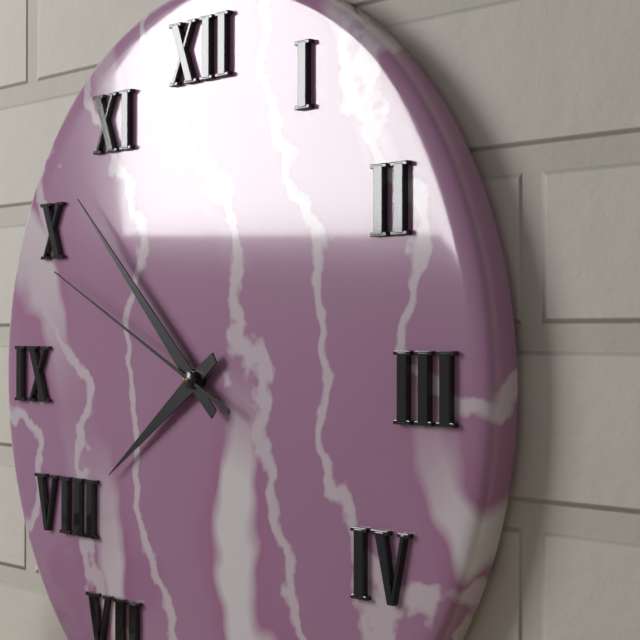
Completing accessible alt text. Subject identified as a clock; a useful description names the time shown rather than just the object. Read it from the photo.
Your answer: 7:52:49
